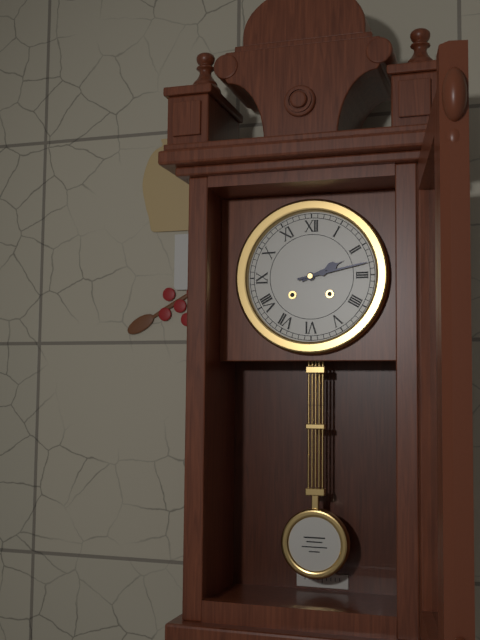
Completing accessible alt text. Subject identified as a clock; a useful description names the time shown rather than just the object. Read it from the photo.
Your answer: 2:13
